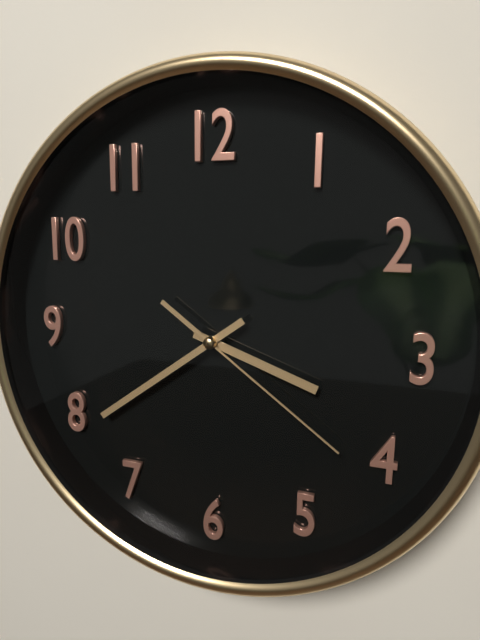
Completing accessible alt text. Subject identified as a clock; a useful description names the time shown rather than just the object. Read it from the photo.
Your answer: 3:39:21
